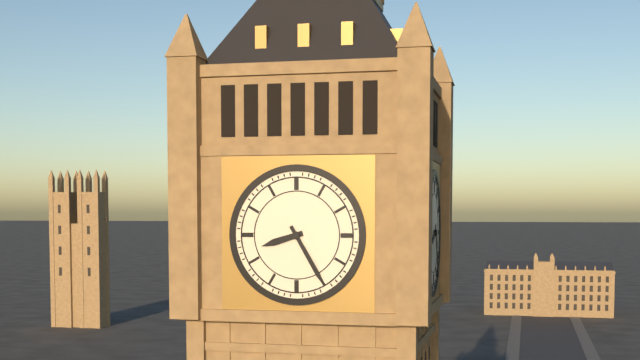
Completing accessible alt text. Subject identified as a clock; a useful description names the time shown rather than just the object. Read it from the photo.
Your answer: 8:25
